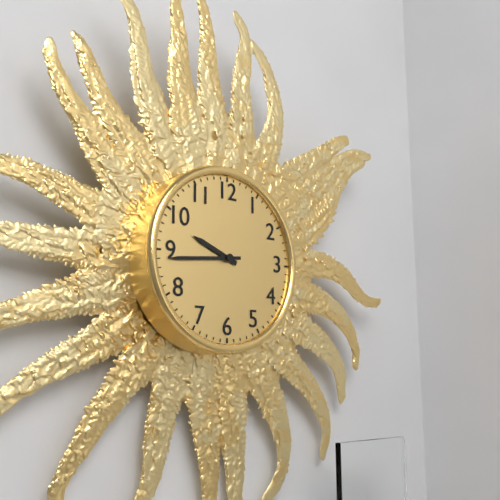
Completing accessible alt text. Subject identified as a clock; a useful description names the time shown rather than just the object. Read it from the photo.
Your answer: 9:44
